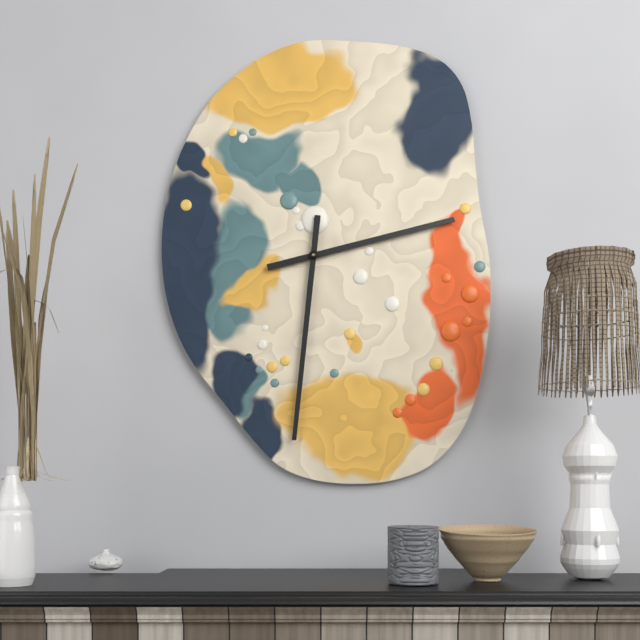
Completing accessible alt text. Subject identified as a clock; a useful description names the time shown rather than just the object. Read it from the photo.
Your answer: 2:31
